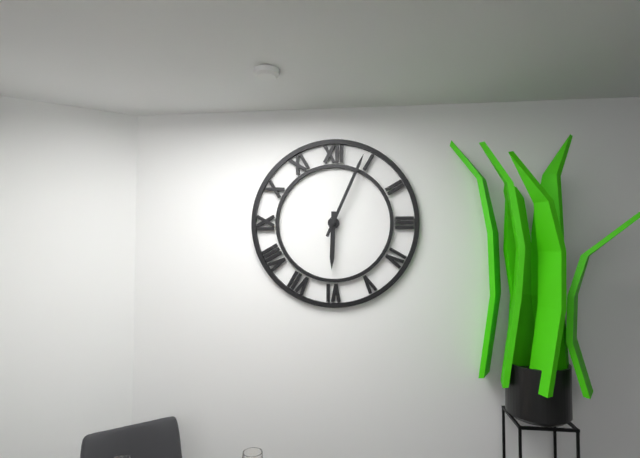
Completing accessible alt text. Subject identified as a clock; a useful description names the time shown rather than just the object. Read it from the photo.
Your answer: 6:04
